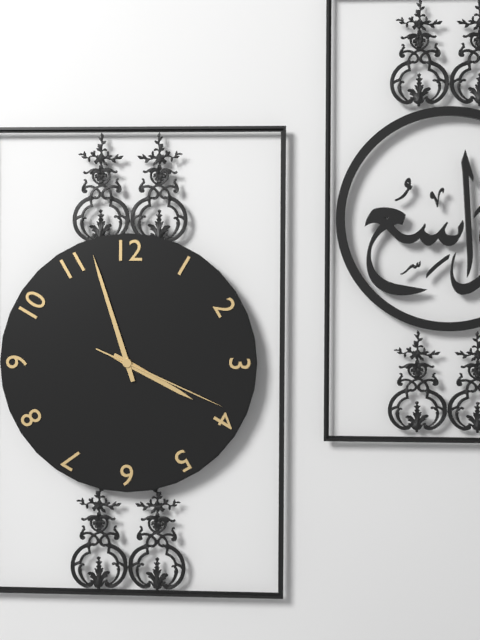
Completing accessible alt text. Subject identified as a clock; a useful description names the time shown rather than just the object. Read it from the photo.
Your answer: 3:57:19
